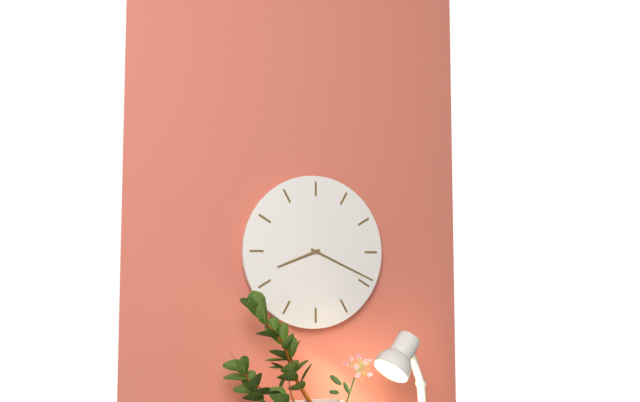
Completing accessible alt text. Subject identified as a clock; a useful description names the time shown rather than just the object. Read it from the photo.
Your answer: 8:19
